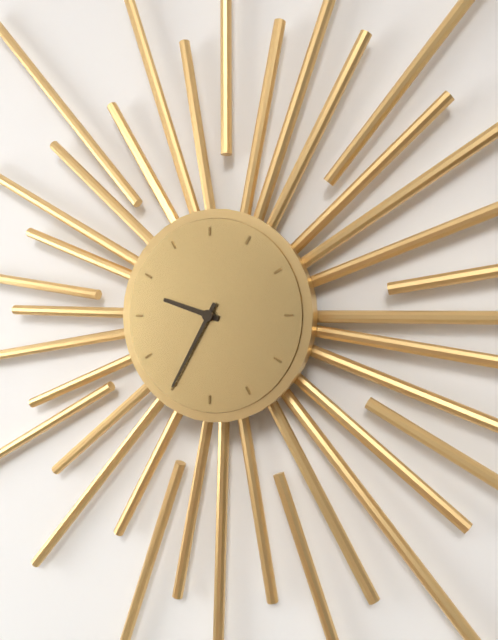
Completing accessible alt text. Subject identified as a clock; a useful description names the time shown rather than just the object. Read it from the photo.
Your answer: 9:35
